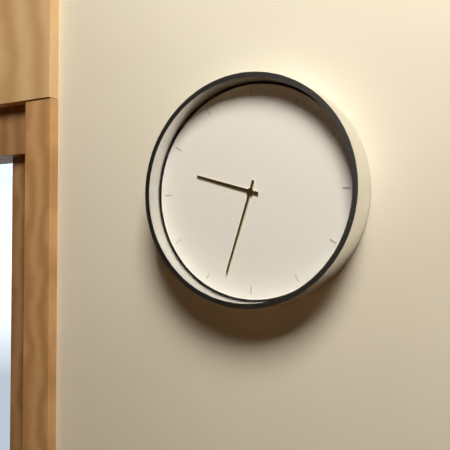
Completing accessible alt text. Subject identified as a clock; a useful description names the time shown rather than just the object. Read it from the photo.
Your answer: 9:33
